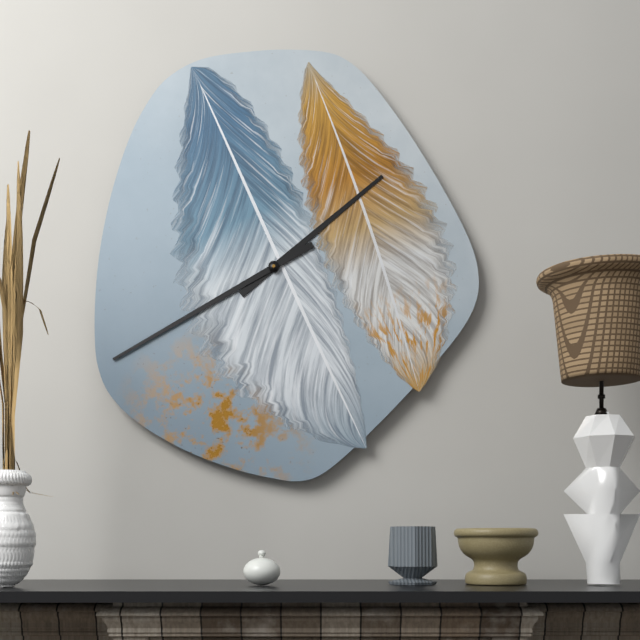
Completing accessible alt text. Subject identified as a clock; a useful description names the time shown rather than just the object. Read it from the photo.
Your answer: 1:40
